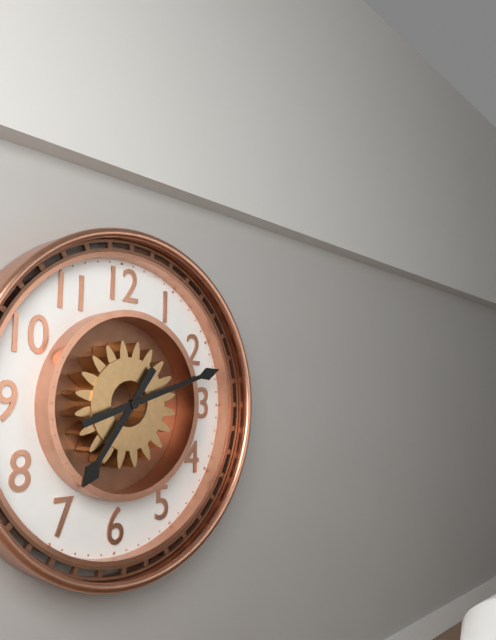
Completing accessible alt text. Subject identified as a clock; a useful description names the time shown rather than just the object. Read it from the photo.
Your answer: 7:12
